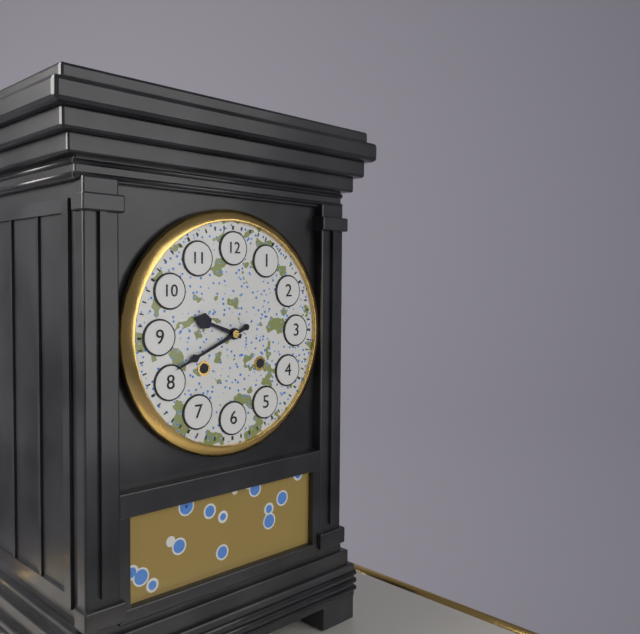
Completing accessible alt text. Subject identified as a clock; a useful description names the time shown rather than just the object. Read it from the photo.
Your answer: 9:41
